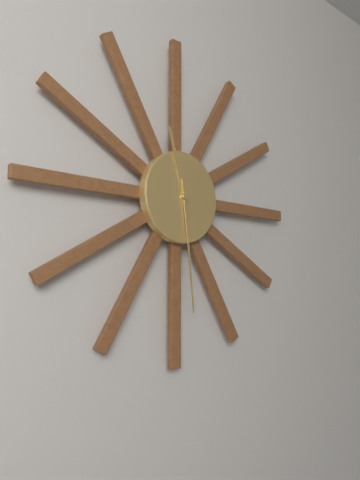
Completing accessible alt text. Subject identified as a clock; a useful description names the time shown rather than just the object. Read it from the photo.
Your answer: 11:29
